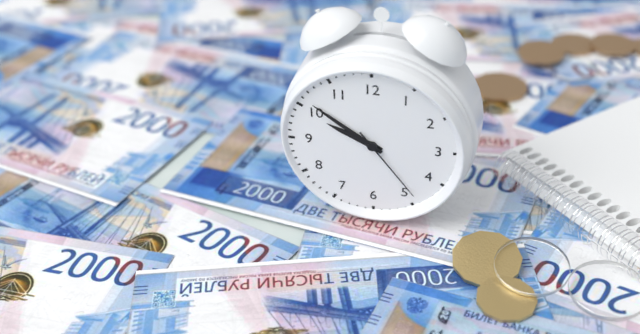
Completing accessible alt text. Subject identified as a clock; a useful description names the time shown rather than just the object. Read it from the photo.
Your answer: 9:51:24
